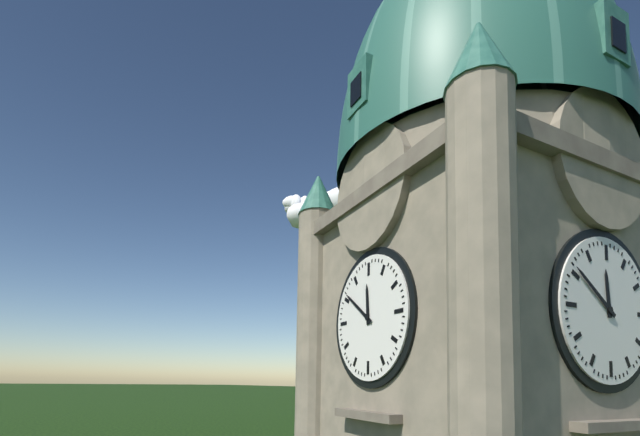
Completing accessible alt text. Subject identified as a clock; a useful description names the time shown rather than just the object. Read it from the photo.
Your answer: 11:51
